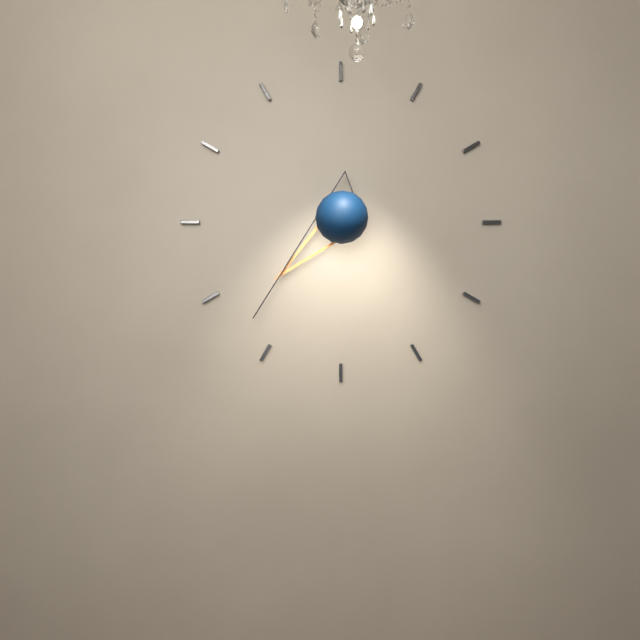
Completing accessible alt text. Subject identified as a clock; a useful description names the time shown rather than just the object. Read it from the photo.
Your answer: 7:37
